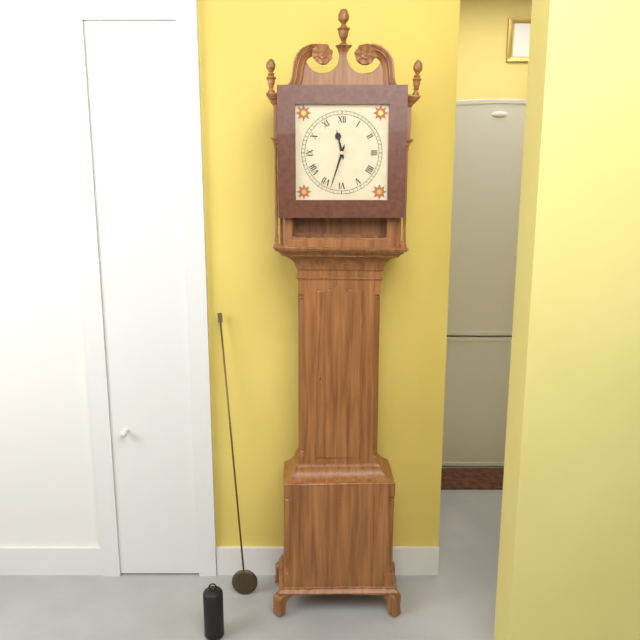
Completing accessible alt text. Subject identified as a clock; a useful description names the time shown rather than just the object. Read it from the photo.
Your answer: 11:33
